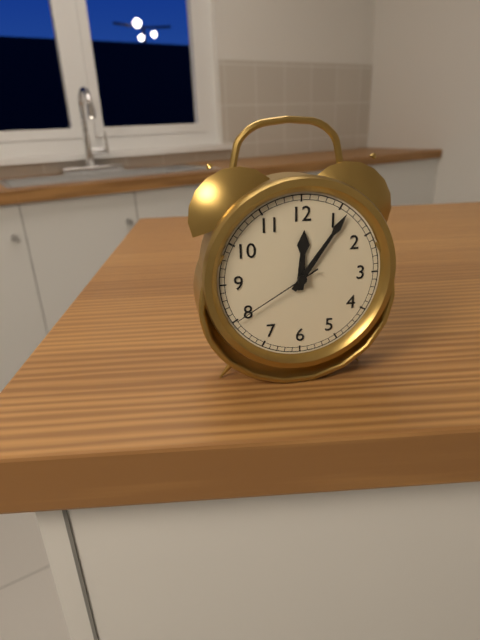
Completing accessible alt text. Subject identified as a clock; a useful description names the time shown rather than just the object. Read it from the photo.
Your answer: 12:06:40
